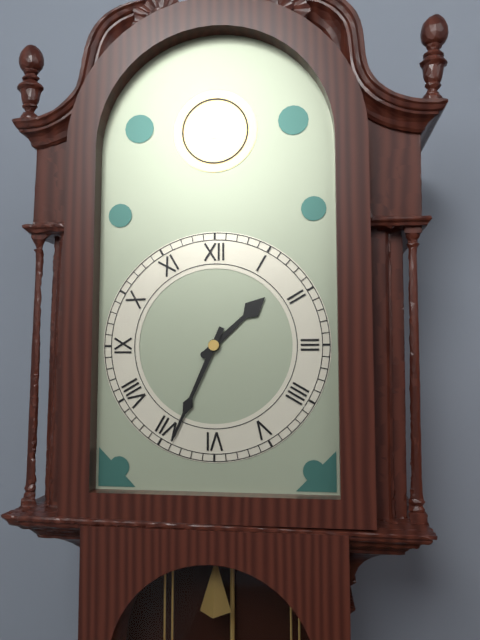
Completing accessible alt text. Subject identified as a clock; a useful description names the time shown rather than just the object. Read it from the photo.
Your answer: 1:34
